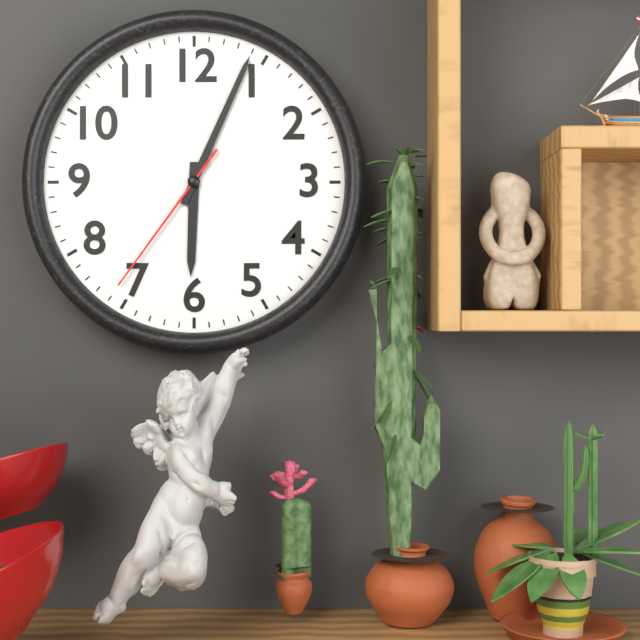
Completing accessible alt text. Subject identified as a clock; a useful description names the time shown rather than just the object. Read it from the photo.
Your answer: 6:04:36
